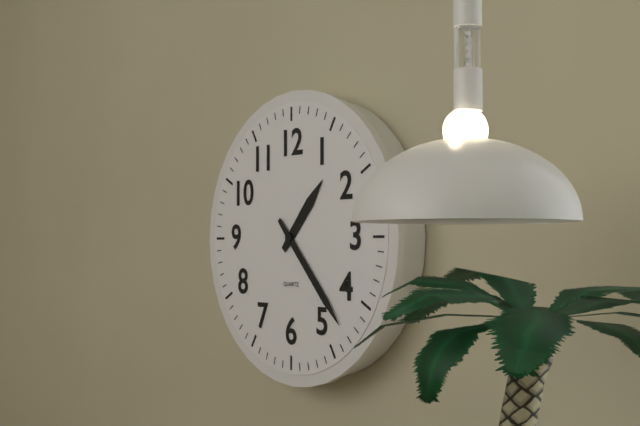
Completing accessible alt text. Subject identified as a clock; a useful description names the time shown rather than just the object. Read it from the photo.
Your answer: 1:23
